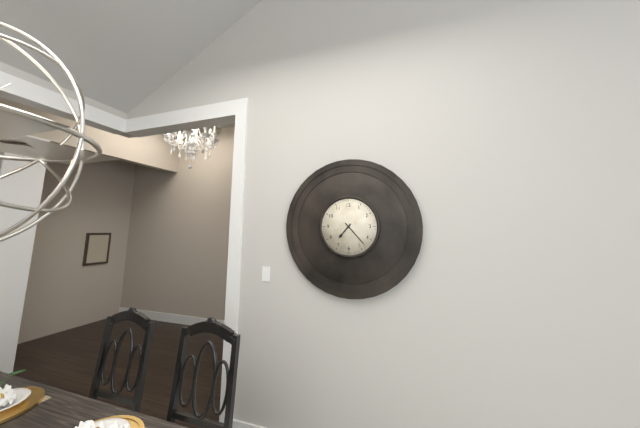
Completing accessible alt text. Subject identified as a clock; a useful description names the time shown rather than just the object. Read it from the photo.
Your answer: 7:23
